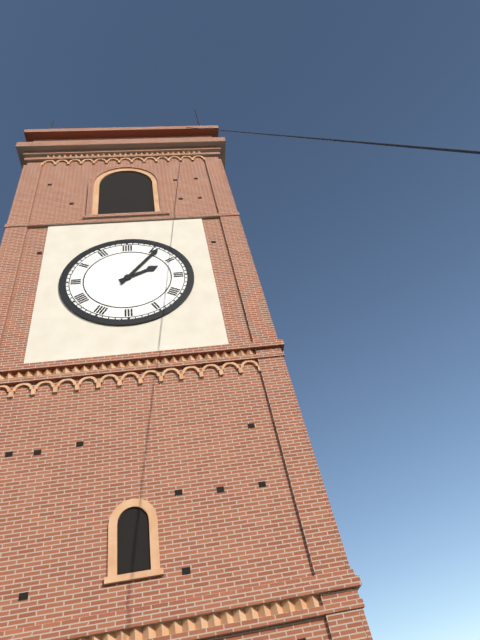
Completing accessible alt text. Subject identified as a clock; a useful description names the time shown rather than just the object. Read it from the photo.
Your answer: 2:06
